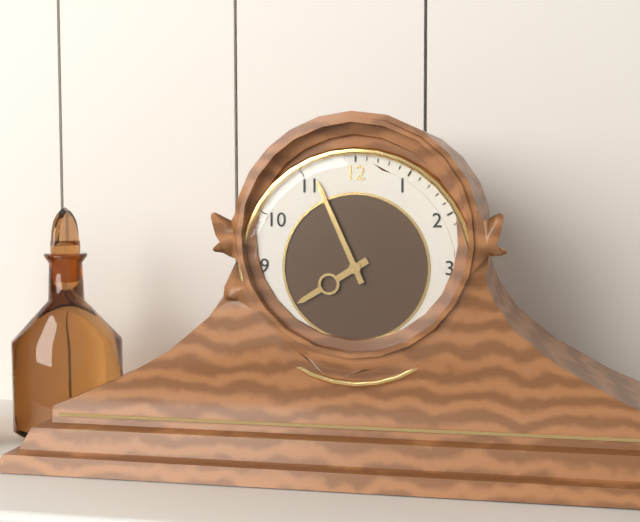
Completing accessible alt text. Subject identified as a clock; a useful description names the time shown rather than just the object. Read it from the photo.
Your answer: 7:56
